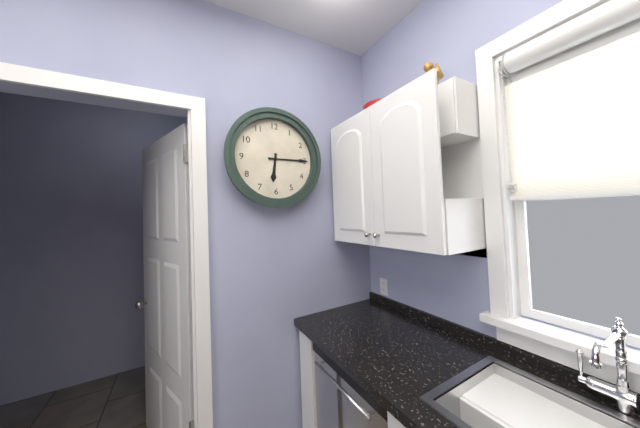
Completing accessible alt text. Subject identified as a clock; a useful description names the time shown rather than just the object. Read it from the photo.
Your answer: 6:15
